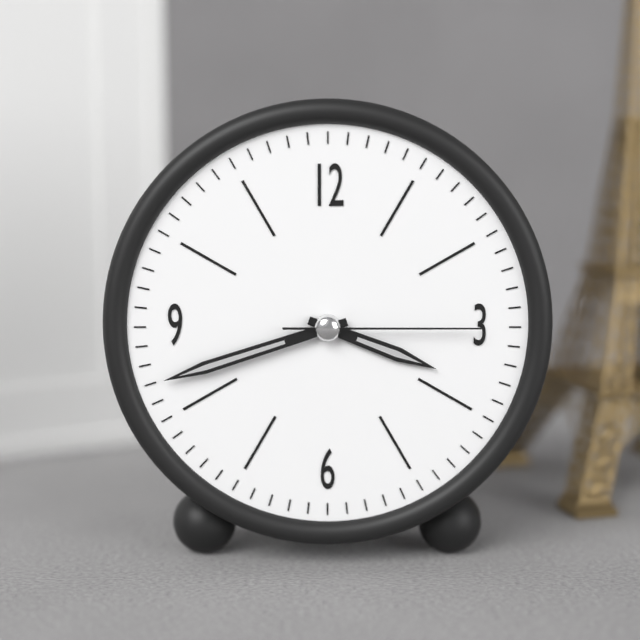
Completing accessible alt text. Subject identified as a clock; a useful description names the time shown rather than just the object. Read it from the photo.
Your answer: 3:42:15
